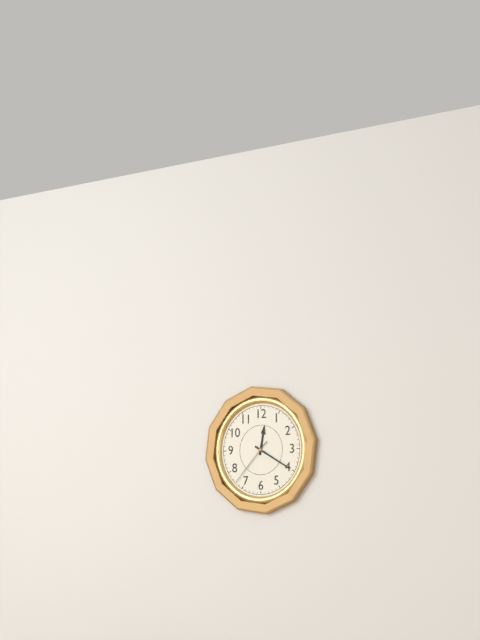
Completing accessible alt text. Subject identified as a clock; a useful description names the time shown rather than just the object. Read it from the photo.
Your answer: 12:20:37
